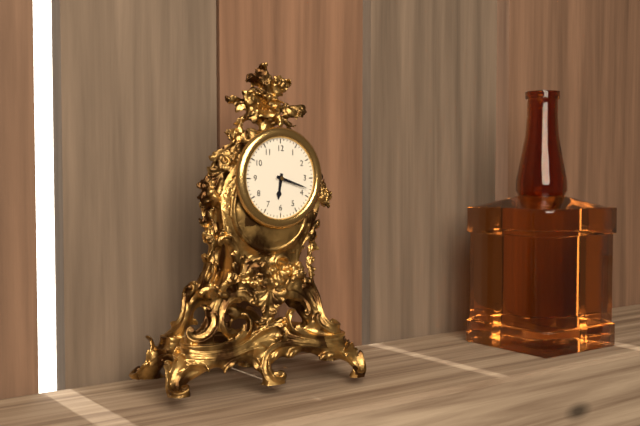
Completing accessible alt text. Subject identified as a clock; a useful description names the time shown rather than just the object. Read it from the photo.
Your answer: 6:18
